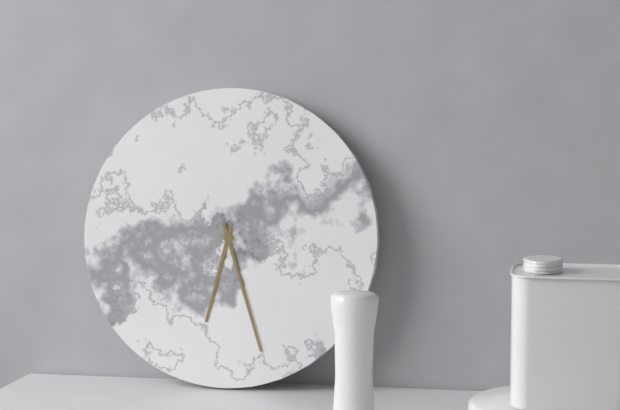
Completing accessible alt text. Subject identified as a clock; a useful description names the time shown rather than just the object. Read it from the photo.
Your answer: 6:27
